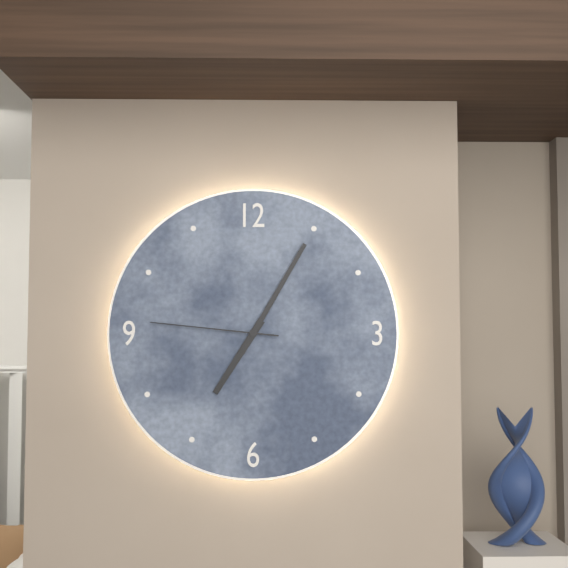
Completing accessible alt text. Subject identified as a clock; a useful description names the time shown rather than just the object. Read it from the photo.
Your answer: 7:05:46
